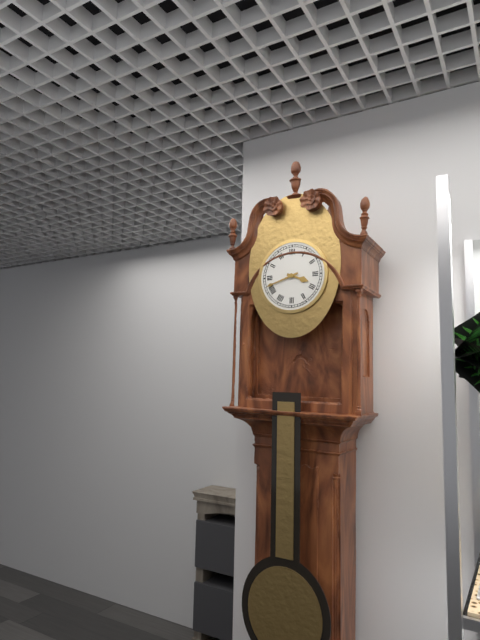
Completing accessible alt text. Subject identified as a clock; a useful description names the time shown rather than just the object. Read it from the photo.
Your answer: 3:42
